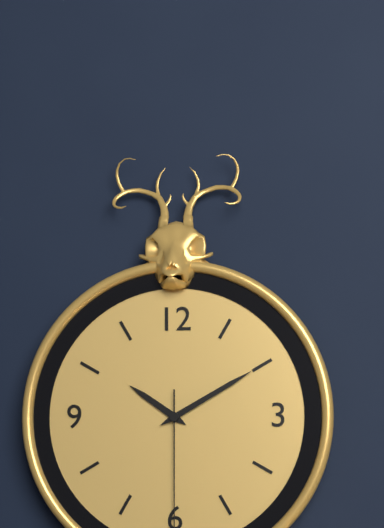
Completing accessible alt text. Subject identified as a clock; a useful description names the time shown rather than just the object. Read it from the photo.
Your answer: 10:10:30
